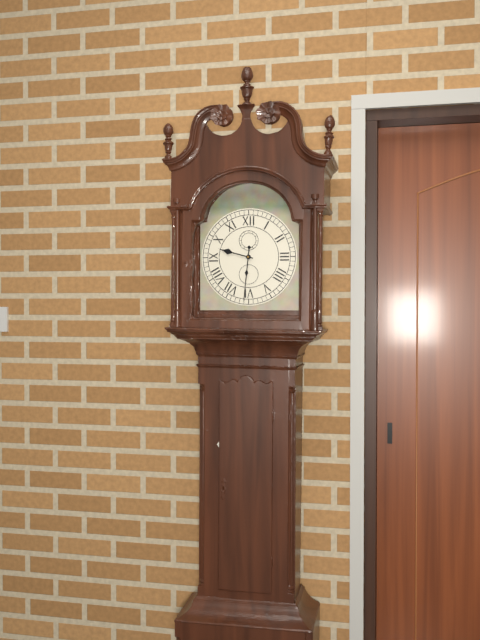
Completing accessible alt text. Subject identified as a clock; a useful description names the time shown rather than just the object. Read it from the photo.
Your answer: 9:31
